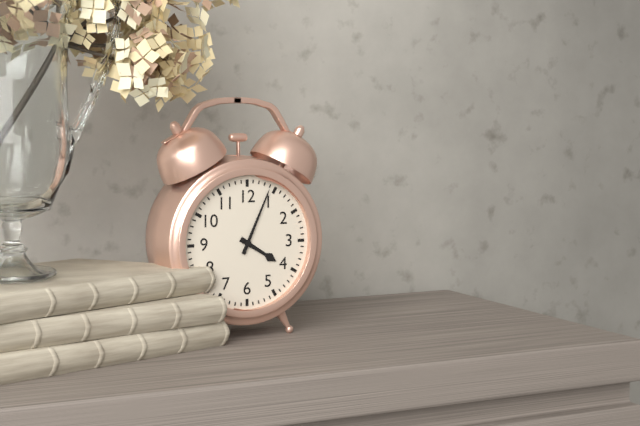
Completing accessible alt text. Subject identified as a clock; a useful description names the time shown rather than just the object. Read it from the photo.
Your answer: 4:04
